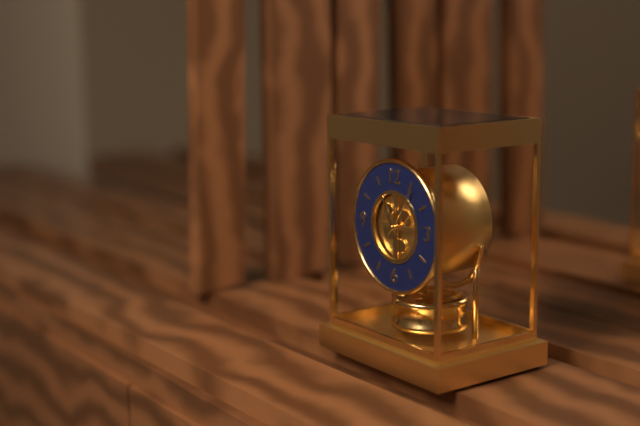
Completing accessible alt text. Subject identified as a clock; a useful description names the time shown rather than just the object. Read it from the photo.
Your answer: 11:06
